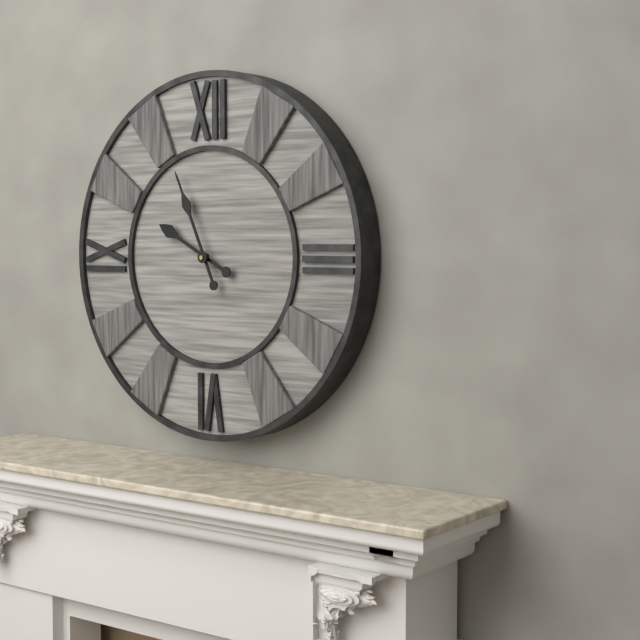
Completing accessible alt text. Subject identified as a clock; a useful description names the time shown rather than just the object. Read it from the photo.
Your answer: 9:56
